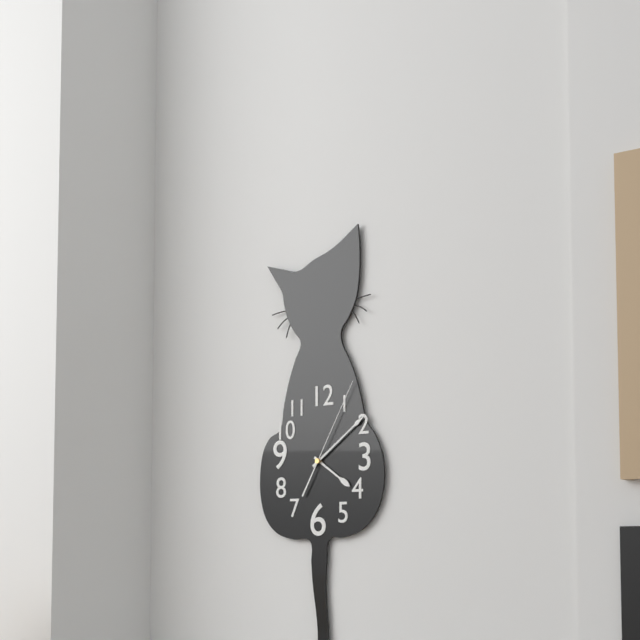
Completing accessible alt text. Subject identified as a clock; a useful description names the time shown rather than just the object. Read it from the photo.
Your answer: 4:09:05
